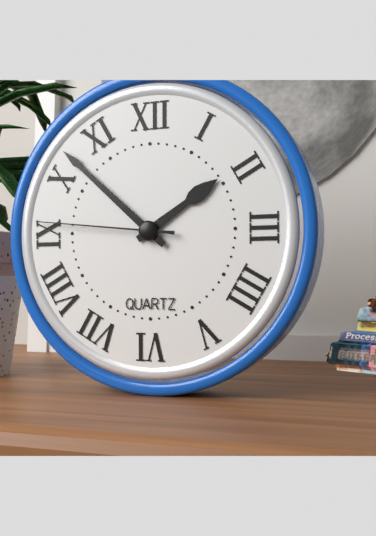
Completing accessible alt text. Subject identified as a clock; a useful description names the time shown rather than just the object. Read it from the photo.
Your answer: 1:52:46
